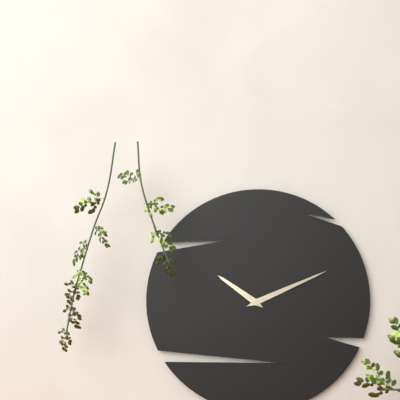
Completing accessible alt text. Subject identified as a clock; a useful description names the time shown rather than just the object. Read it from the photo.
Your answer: 10:11
